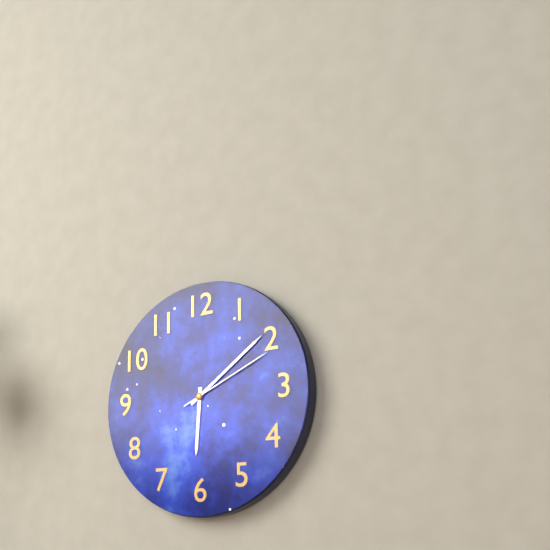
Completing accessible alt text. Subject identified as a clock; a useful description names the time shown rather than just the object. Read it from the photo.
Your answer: 6:09:11
